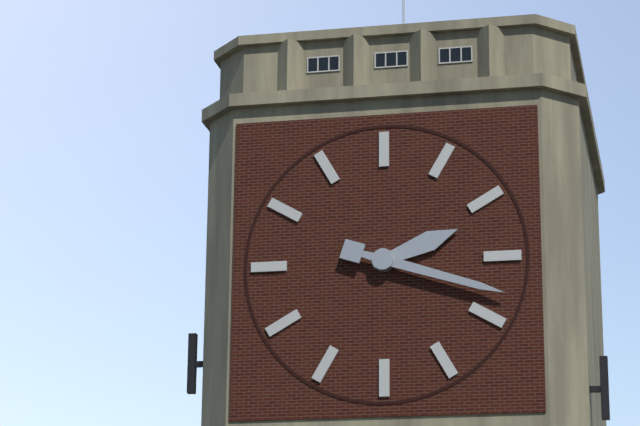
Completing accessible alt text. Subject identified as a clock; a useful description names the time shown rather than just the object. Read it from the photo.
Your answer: 2:18
